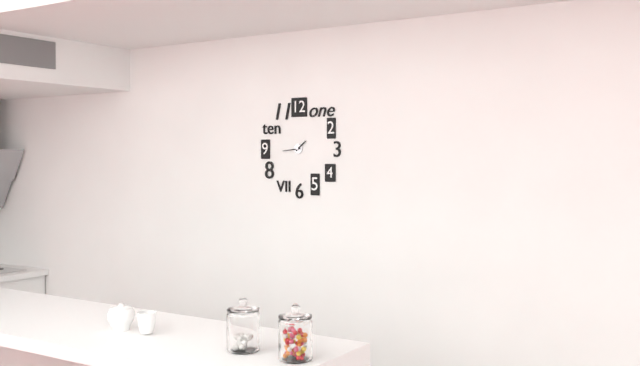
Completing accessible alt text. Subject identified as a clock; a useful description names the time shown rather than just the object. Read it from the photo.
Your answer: 1:44
